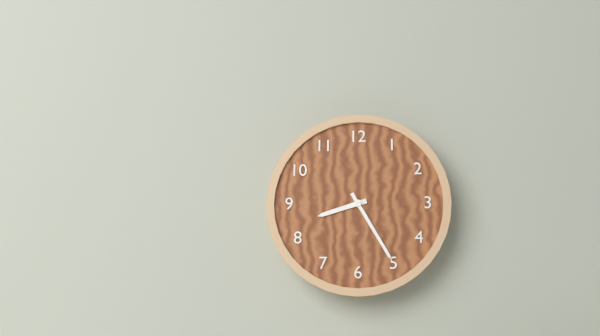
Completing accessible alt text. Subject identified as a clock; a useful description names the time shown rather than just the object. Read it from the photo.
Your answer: 8:25
